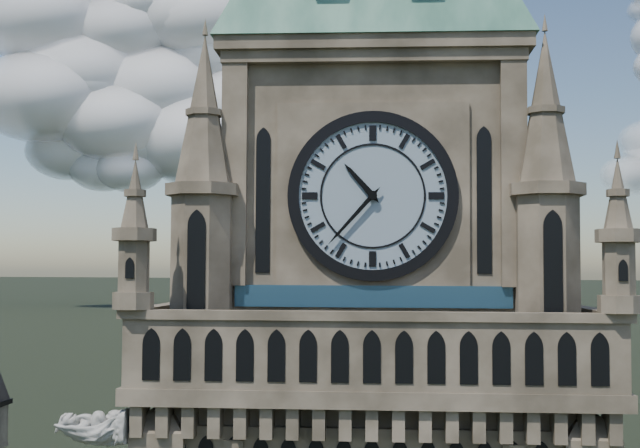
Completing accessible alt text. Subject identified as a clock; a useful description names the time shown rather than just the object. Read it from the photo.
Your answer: 10:37
